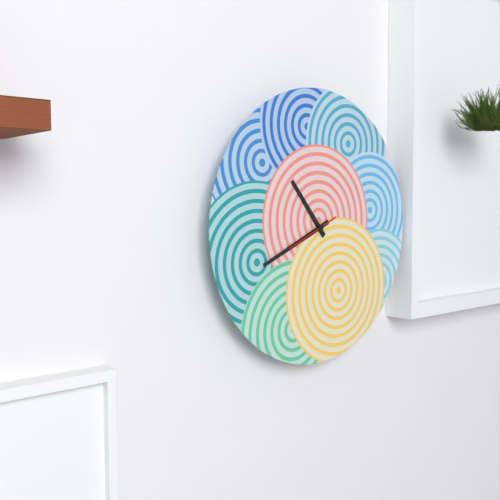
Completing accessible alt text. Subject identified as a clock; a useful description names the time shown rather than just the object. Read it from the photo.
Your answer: 10:41
